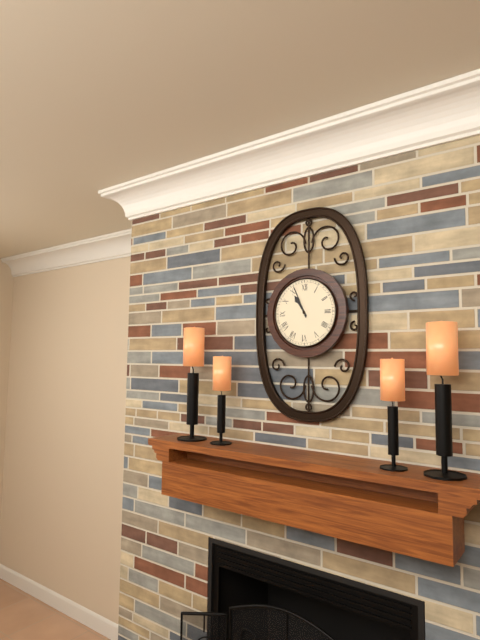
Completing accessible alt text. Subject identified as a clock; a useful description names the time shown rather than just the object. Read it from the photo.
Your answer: 10:56
